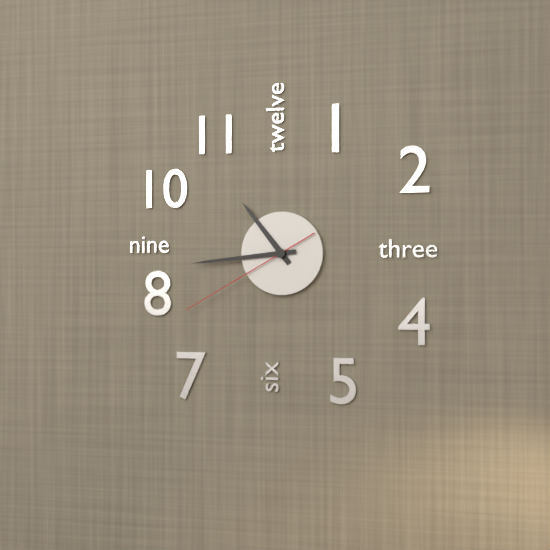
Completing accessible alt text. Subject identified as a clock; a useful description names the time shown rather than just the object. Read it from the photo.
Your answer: 10:44:40
